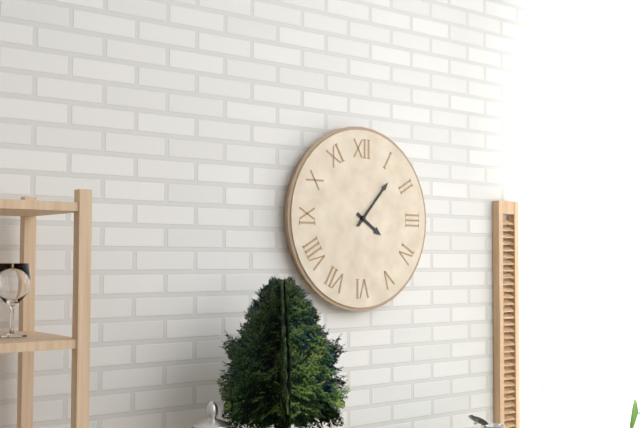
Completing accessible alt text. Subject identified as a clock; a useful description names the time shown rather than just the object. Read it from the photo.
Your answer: 4:07
